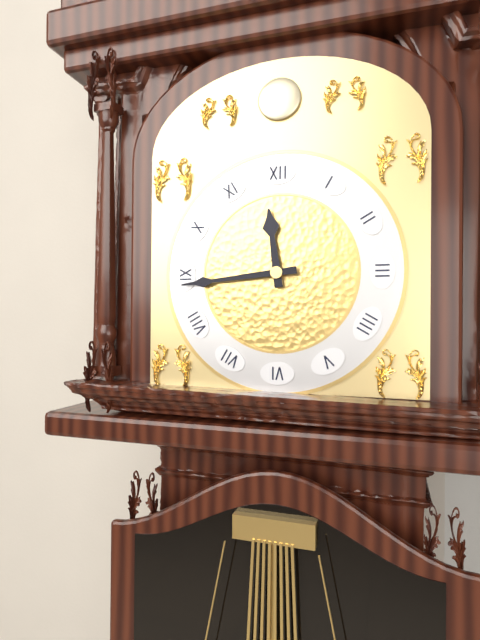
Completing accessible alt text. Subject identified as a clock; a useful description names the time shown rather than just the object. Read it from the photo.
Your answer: 11:44
